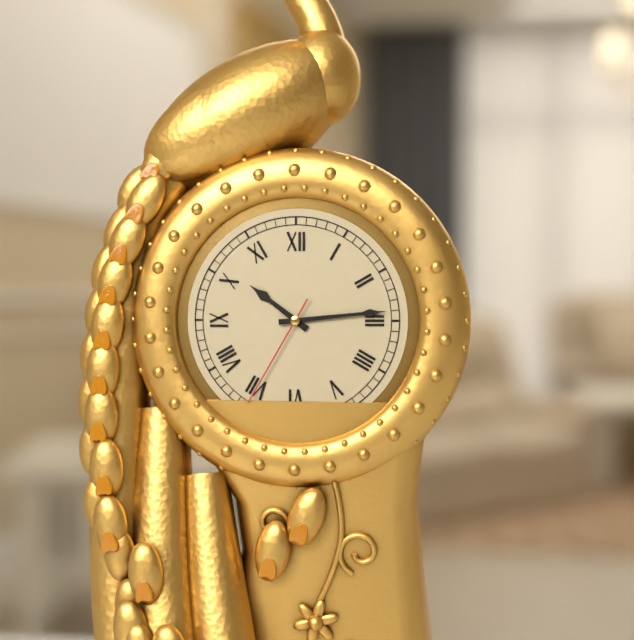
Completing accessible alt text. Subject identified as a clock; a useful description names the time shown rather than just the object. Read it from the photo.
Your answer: 10:14:35
